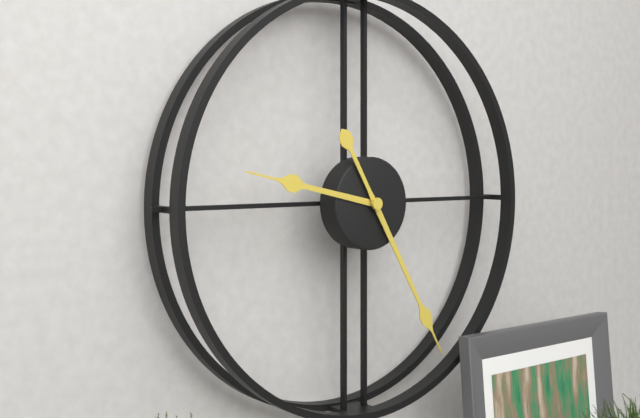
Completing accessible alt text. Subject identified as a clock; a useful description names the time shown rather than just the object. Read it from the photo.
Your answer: 9:25
